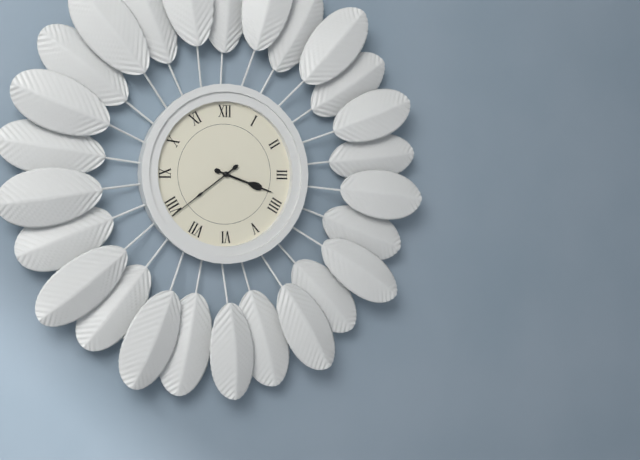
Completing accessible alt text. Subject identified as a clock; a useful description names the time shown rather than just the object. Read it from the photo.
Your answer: 3:39
